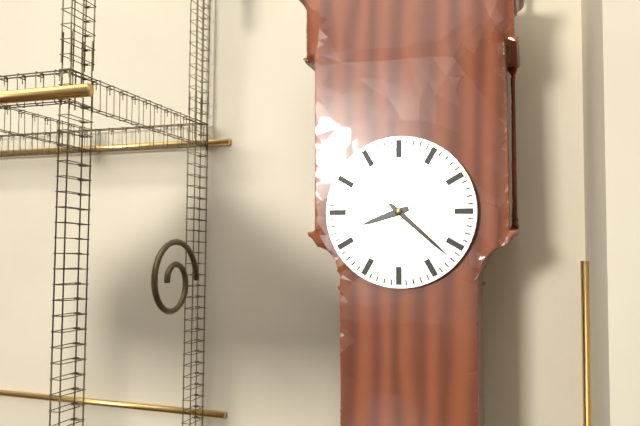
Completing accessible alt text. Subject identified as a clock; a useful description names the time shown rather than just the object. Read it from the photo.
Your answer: 8:22
